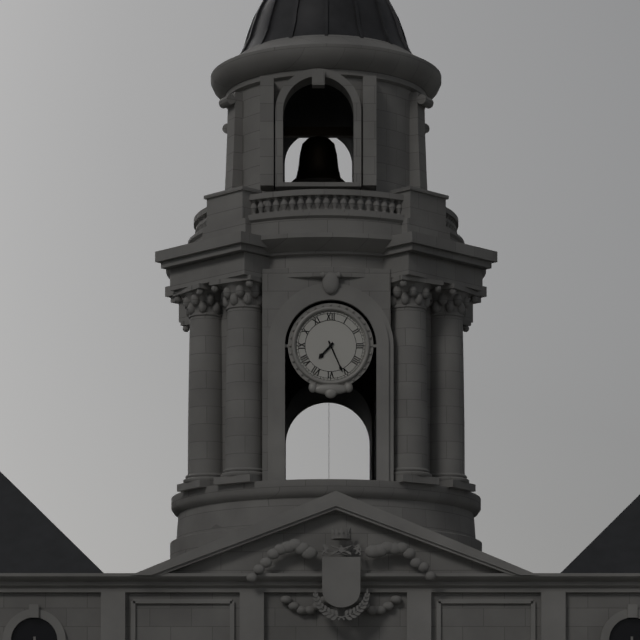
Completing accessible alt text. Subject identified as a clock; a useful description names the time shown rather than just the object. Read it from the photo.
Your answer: 7:26
